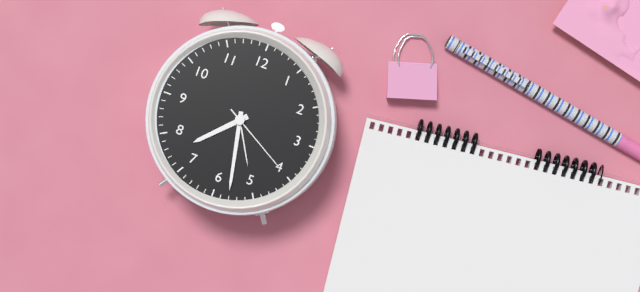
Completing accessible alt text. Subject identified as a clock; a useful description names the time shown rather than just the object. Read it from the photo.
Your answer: 7:28:20
